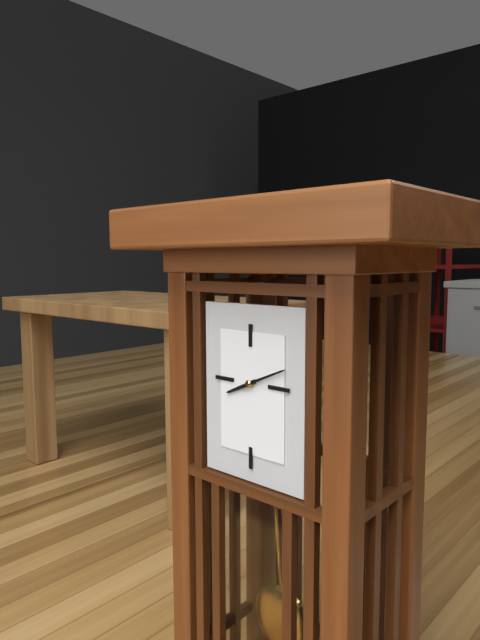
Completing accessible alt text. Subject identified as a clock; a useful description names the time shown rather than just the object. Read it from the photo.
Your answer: 8:11
